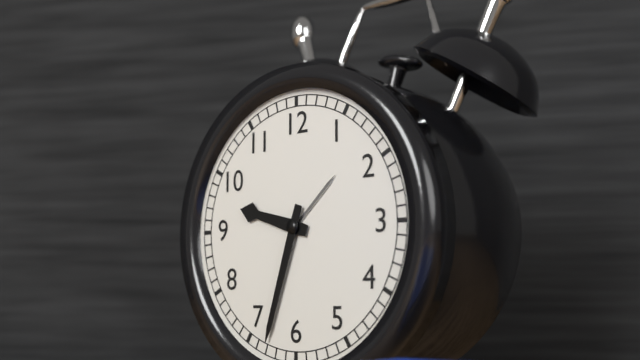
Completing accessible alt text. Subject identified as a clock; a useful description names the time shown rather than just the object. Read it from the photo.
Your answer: 9:33
